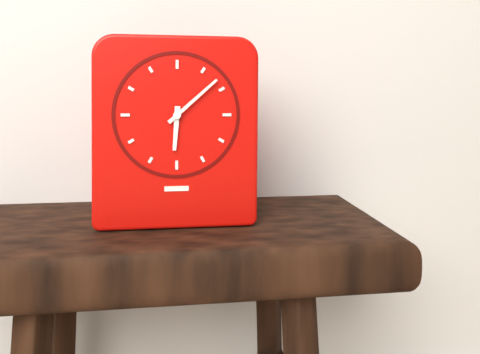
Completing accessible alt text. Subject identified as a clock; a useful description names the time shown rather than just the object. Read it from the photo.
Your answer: 6:08
